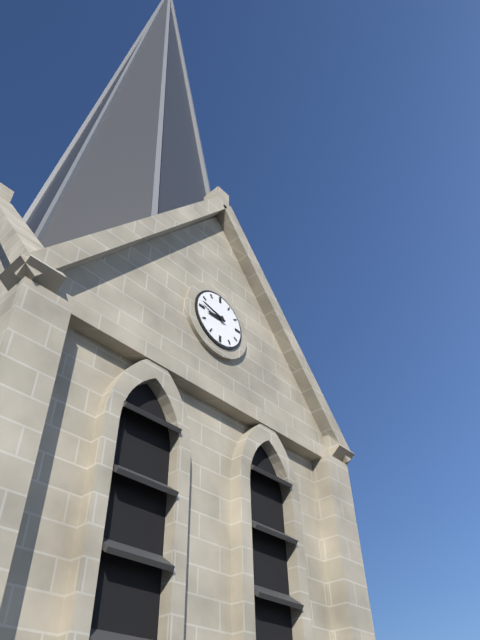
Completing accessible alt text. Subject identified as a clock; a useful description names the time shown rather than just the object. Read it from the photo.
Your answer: 8:47
